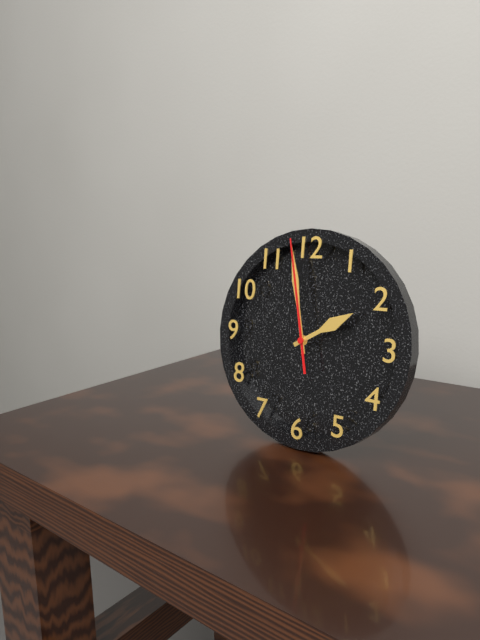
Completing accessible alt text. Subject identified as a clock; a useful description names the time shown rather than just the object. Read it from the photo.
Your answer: 1:58:58
